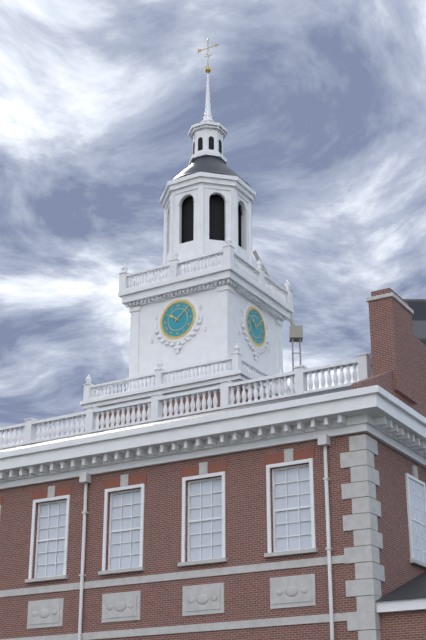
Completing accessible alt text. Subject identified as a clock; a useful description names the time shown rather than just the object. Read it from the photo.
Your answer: 10:08
